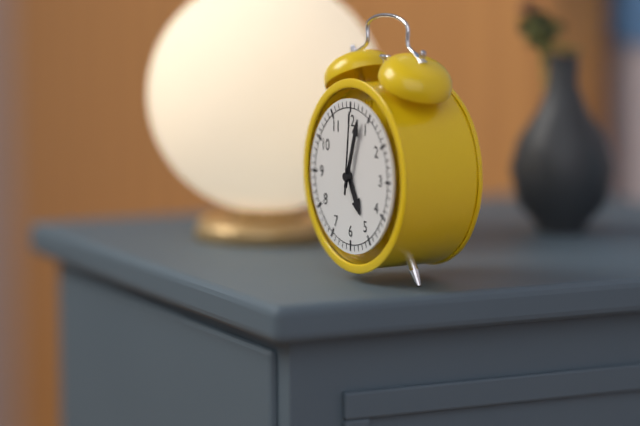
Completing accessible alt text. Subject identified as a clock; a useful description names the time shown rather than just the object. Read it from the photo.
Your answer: 5:03:01
